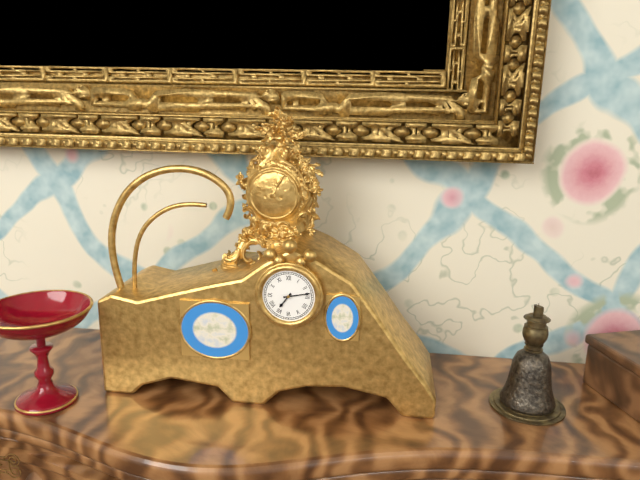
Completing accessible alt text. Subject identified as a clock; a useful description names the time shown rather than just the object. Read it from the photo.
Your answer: 7:13
